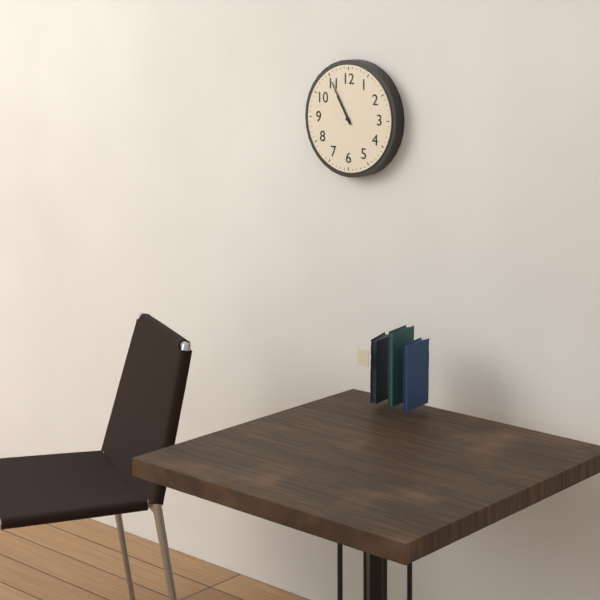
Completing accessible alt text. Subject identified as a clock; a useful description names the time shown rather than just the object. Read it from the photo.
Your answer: 10:55
